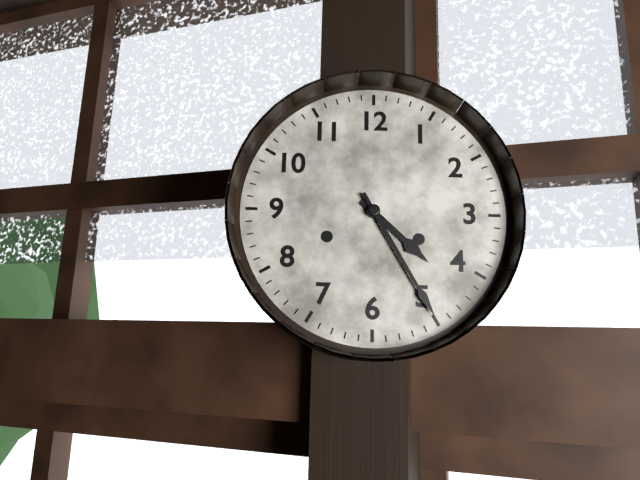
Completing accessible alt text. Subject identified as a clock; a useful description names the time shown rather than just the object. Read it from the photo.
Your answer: 4:25
